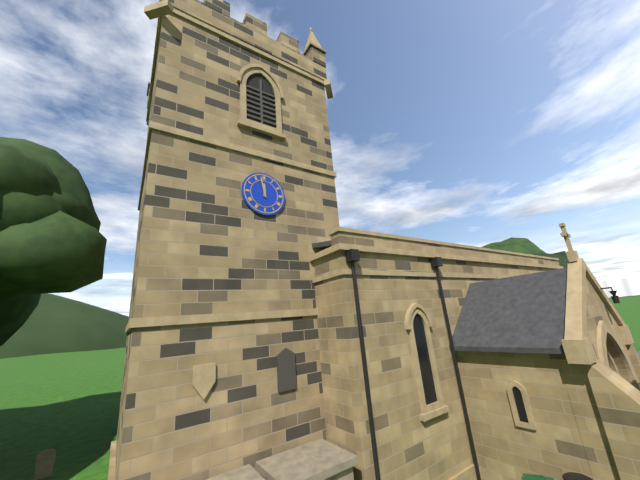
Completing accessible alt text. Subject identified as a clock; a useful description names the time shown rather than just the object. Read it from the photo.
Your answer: 11:58
